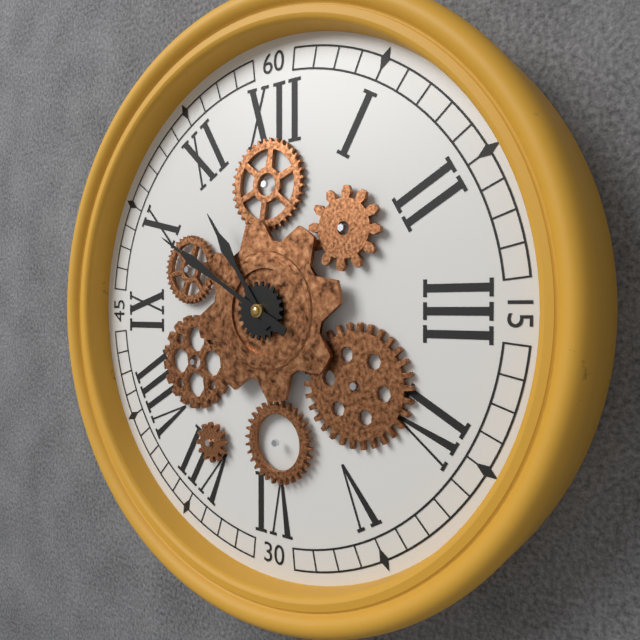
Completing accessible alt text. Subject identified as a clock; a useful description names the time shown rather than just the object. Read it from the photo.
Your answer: 10:50
